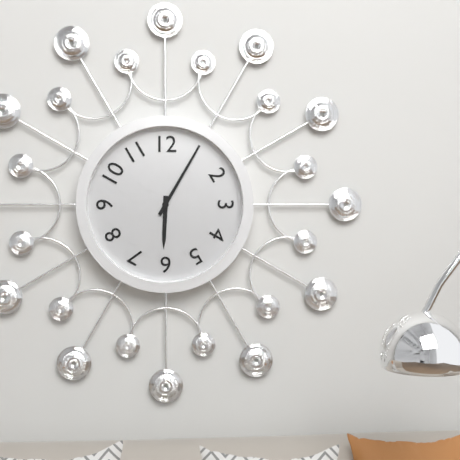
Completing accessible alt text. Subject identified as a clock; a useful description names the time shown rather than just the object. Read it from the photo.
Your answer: 6:05
